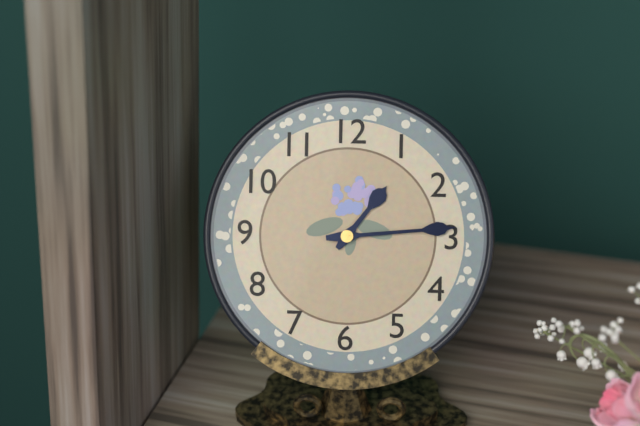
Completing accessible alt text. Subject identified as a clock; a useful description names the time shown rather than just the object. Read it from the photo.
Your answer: 1:14
